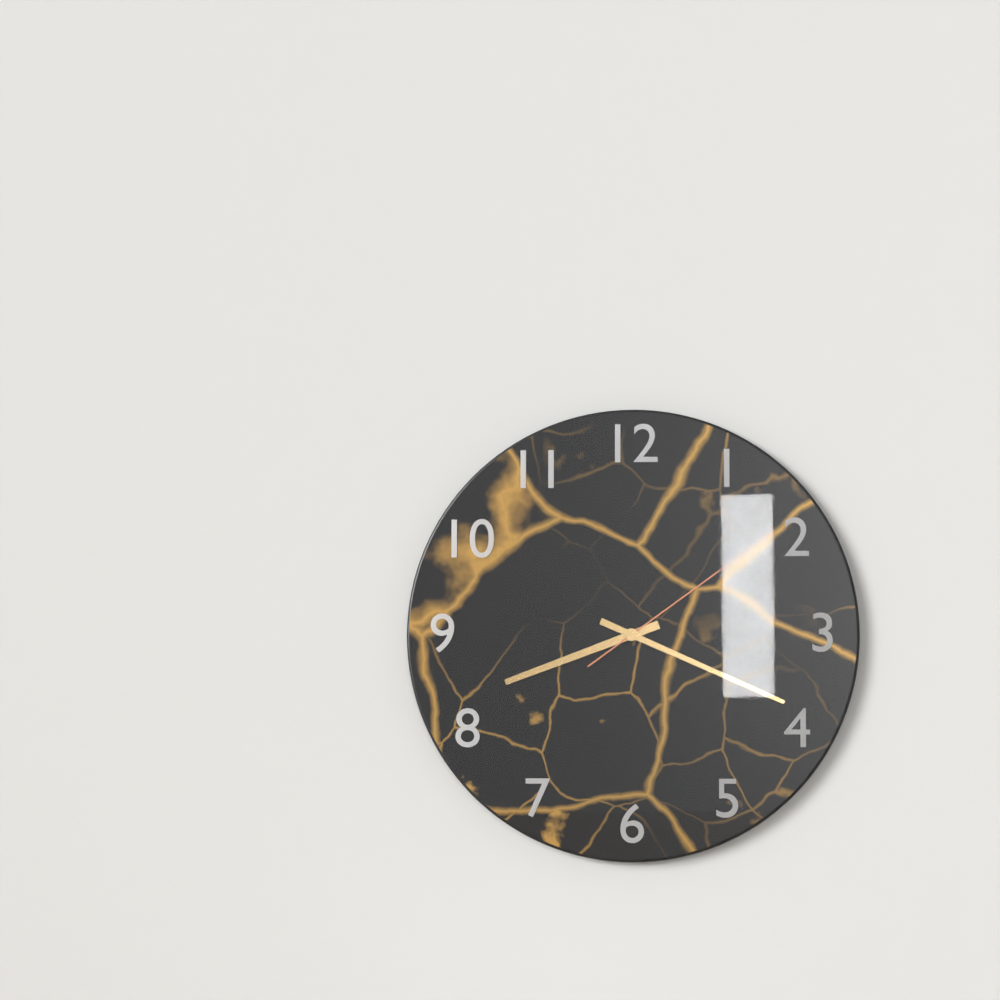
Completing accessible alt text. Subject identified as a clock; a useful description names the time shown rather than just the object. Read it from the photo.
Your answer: 8:19:09
